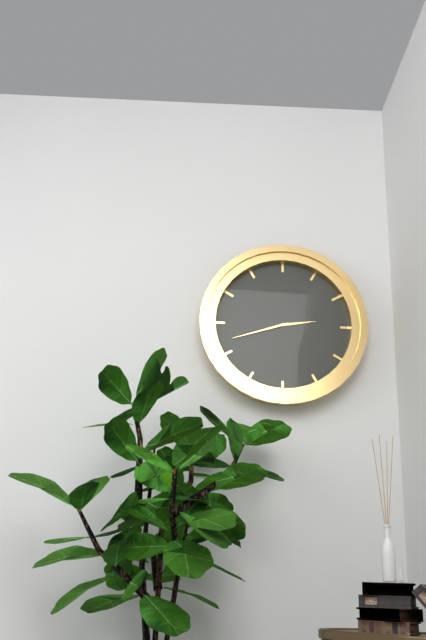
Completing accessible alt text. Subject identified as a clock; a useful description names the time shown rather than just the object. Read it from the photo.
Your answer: 2:42
